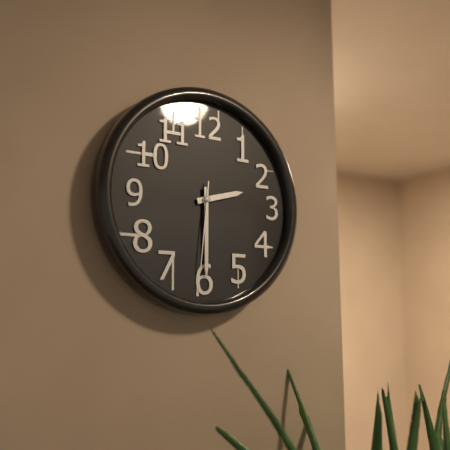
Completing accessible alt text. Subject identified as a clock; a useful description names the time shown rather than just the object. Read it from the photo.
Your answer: 2:30:31
